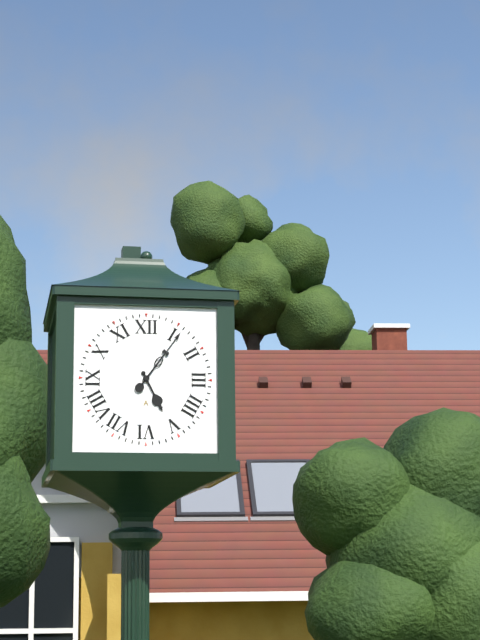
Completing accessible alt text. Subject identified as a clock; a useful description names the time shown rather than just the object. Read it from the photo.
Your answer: 5:06
